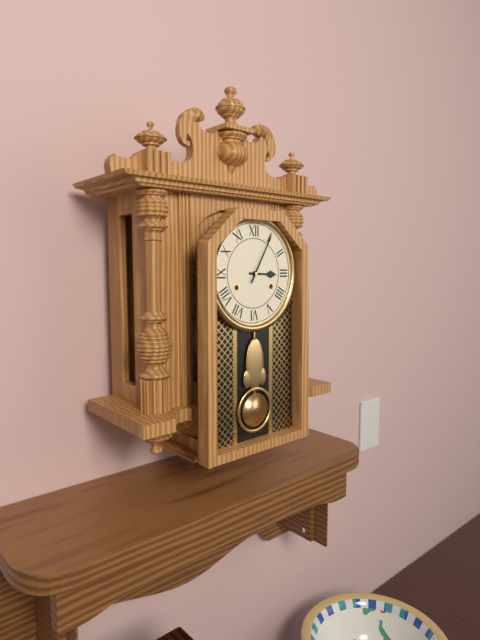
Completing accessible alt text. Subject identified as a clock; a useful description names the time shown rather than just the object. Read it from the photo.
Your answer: 3:05
